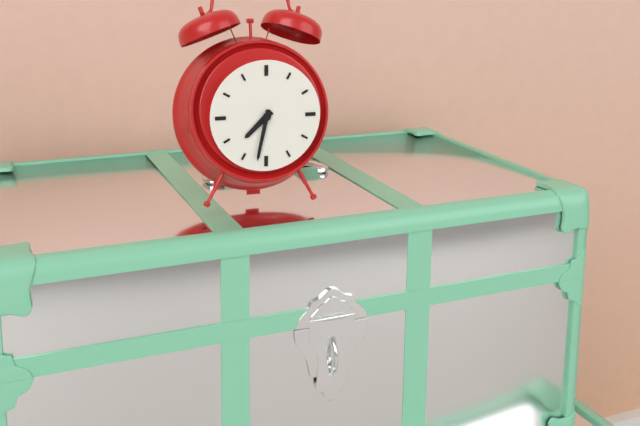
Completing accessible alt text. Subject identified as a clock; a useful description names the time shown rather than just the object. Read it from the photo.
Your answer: 7:32
